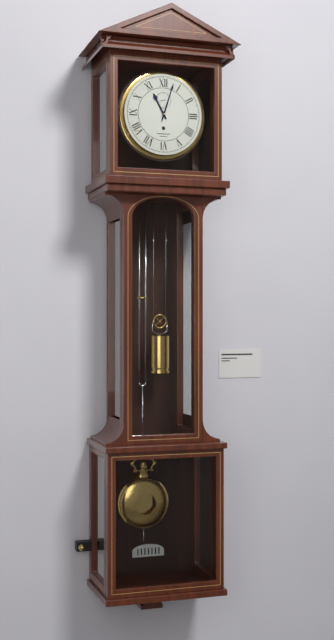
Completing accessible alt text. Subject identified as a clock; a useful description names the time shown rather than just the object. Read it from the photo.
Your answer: 11:03
